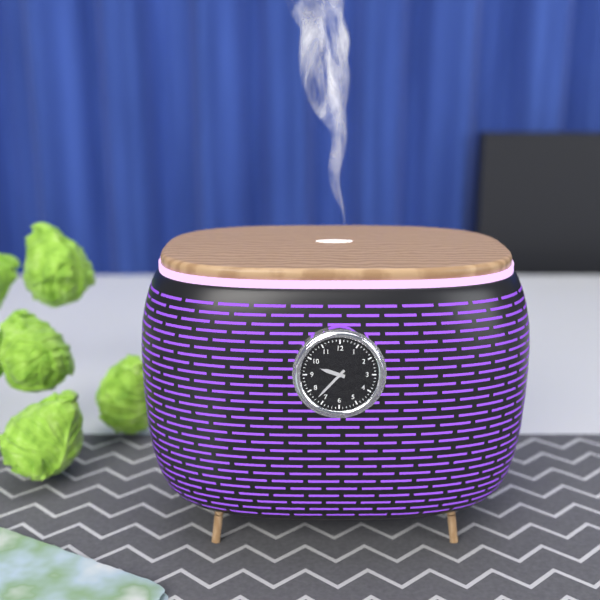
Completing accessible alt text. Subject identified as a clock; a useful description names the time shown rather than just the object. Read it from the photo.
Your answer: 9:37
